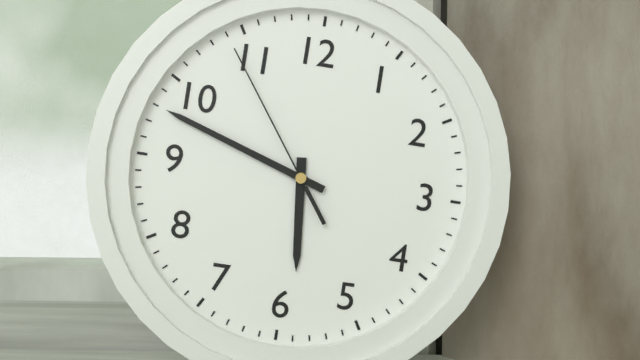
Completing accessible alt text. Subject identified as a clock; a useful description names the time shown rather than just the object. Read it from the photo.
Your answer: 5:48:54
